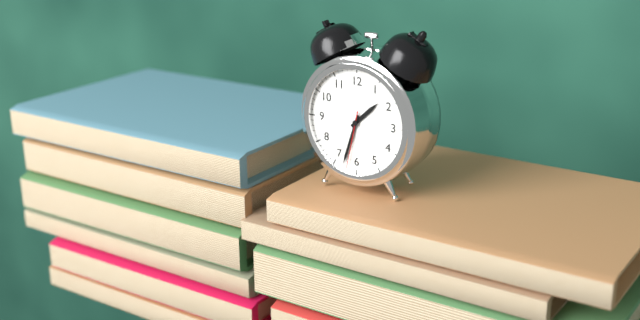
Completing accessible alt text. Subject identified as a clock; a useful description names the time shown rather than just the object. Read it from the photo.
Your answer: 1:33:32
